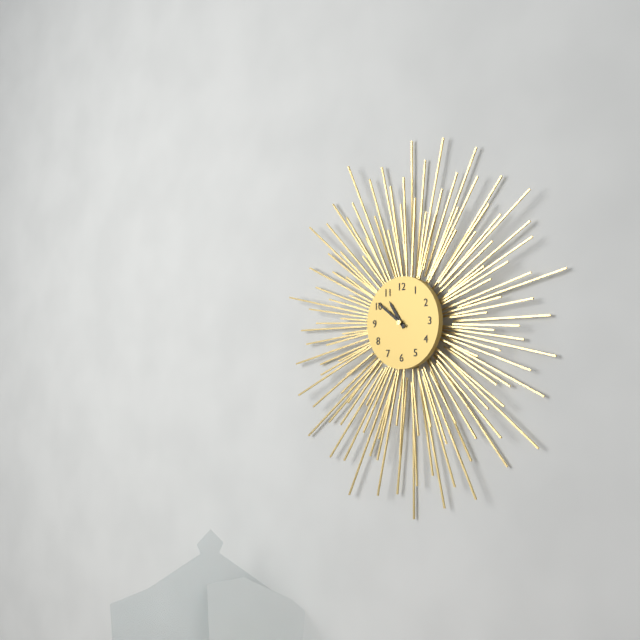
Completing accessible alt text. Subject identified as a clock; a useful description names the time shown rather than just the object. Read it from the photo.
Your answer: 10:51
